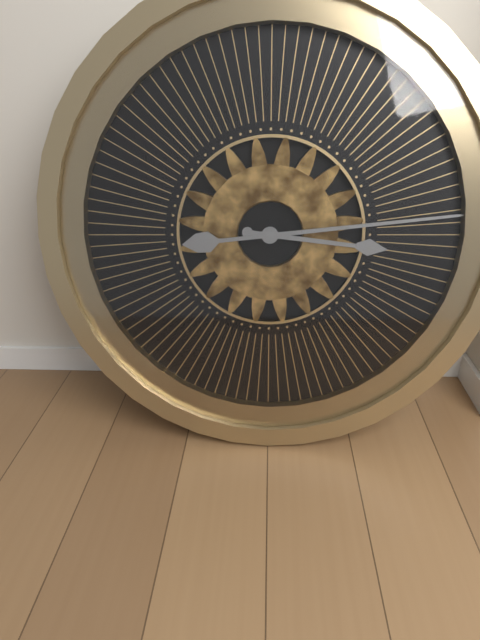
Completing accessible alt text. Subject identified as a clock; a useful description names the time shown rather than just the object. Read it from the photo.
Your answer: 3:14
